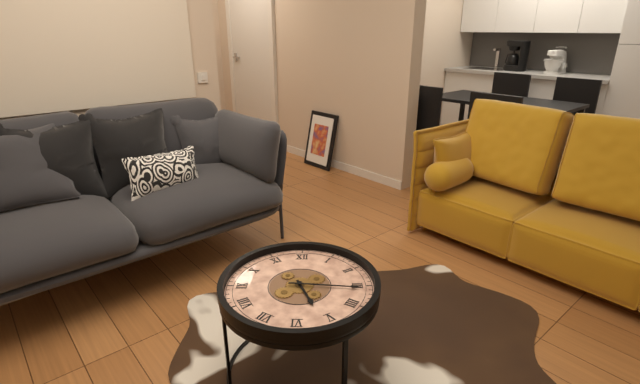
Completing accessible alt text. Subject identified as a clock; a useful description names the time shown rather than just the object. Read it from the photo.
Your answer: 5:16
